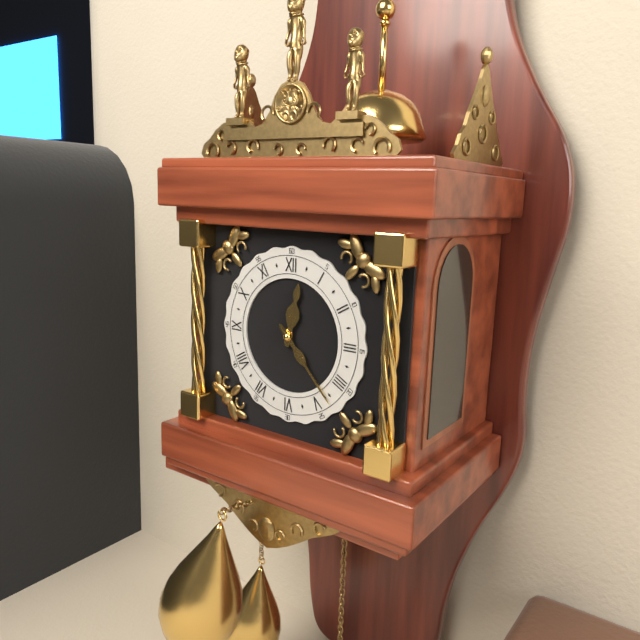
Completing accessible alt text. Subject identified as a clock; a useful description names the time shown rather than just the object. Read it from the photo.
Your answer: 12:23
